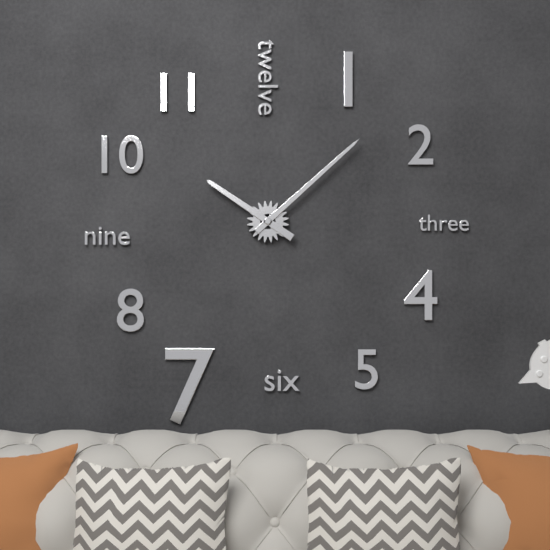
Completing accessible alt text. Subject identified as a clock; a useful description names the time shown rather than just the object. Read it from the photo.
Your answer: 10:08
